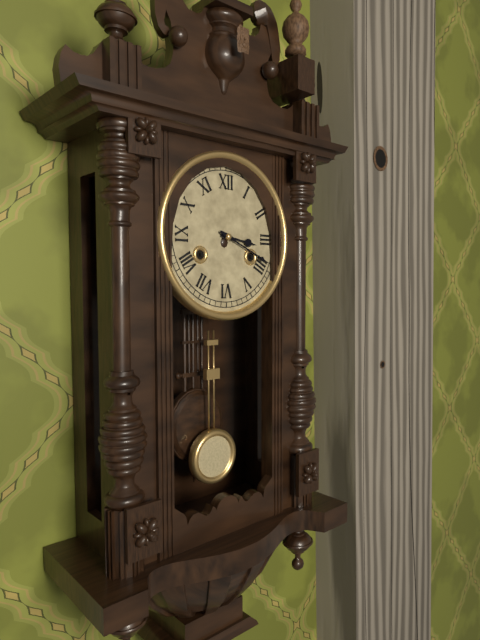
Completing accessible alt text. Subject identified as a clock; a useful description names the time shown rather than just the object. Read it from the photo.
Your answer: 3:19
